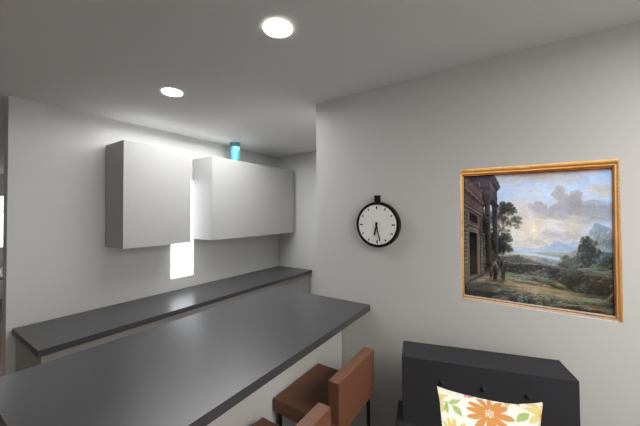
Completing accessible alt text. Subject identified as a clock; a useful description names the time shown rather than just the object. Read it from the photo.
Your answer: 6:28
